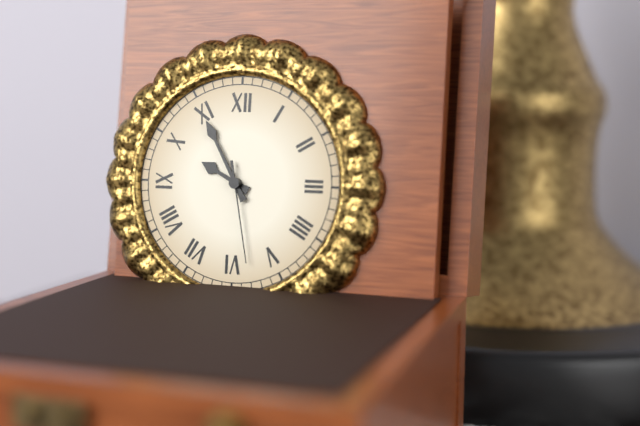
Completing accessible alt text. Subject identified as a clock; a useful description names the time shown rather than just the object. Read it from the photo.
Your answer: 9:55:28
